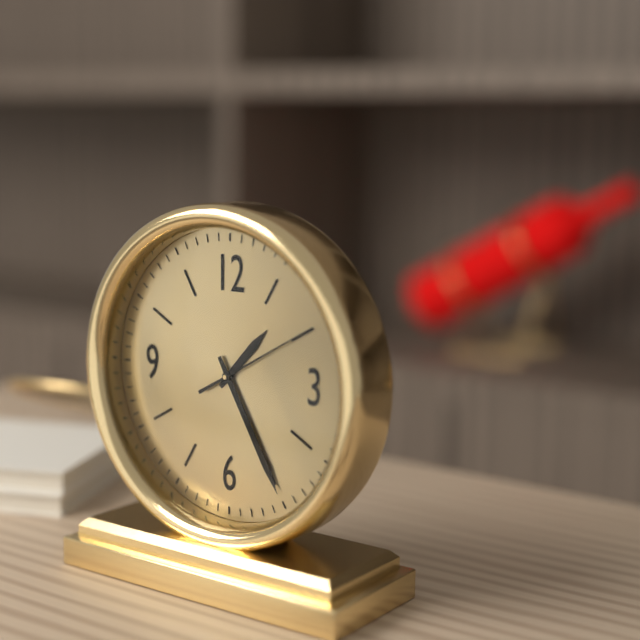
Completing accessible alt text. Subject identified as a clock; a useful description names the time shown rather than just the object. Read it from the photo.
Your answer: 1:25:10
